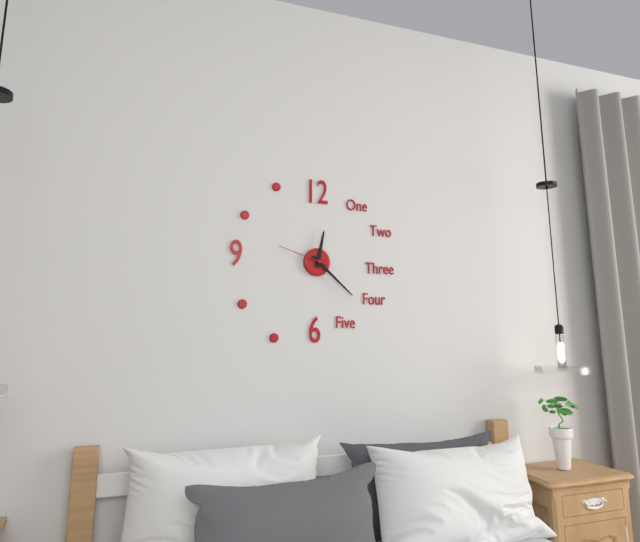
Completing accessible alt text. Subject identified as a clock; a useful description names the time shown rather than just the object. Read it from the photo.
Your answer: 12:22:48
